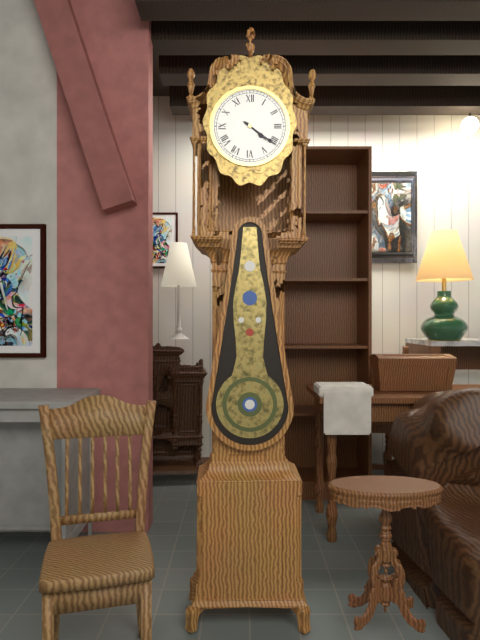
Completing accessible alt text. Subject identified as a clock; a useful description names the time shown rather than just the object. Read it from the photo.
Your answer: 4:21
